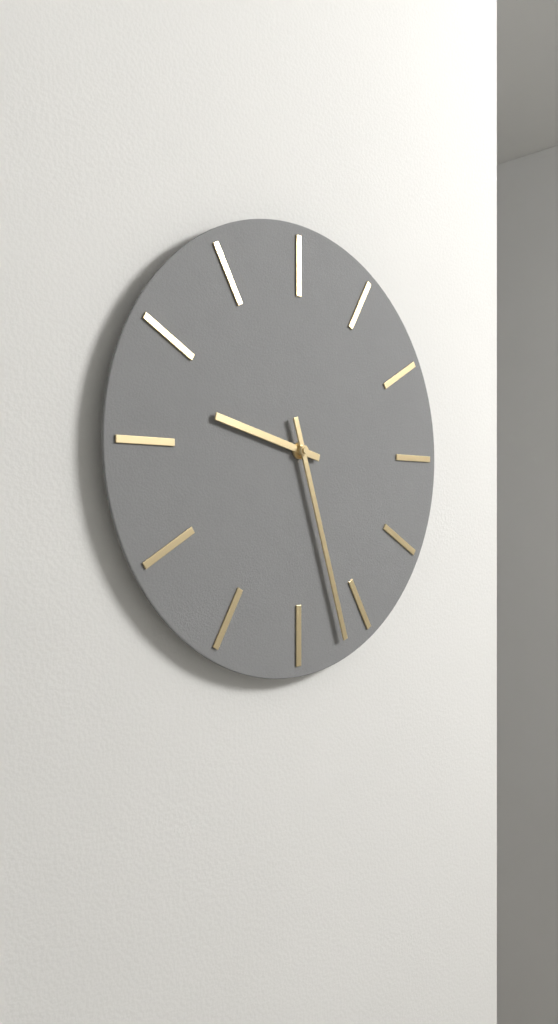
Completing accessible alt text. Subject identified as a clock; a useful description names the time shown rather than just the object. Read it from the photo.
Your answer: 9:27
